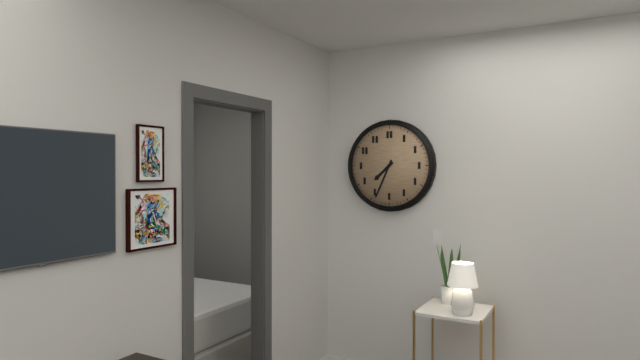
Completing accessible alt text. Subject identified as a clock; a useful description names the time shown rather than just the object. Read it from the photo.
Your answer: 7:34
